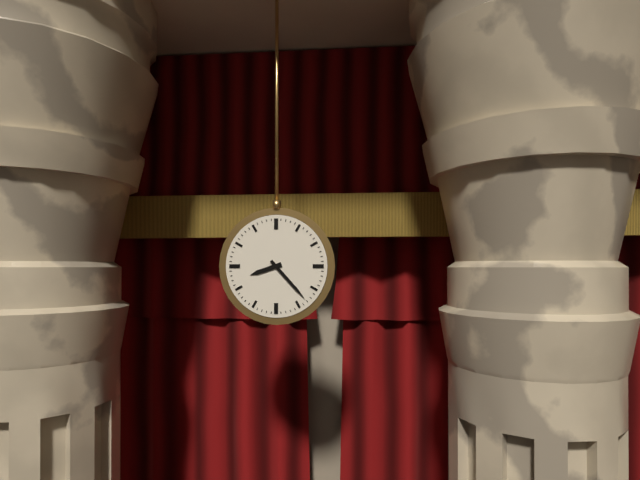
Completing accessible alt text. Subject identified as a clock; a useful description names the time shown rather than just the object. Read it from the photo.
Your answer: 8:23
